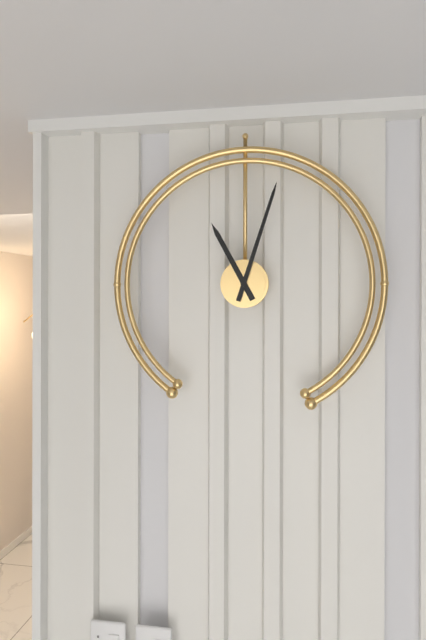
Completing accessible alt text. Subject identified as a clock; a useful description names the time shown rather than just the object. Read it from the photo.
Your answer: 11:03
